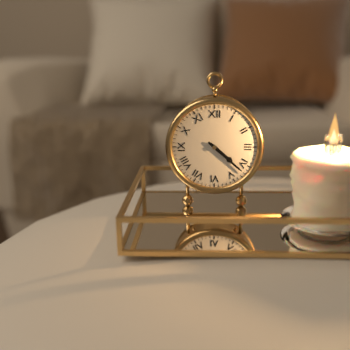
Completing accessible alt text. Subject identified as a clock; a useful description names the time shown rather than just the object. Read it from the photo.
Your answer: 4:22
